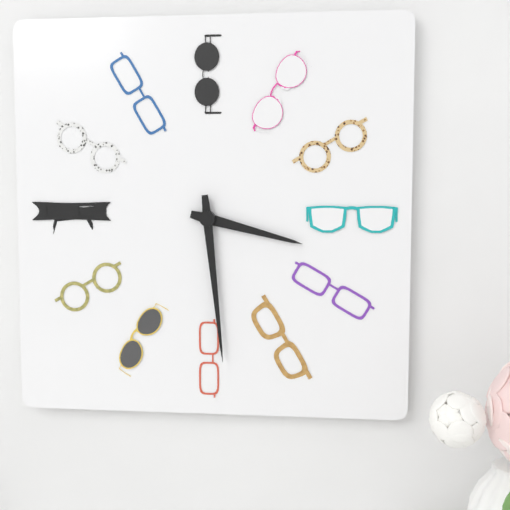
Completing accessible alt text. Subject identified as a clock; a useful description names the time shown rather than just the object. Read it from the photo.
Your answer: 3:29
